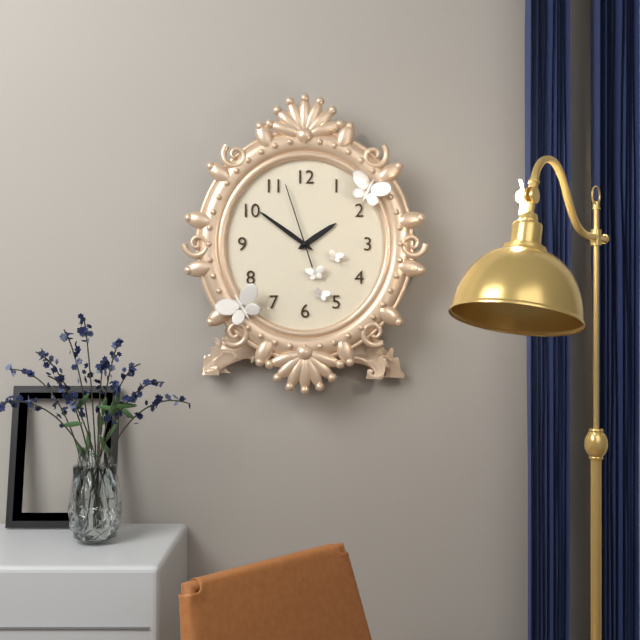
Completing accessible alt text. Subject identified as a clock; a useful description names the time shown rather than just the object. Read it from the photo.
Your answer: 1:51:57
